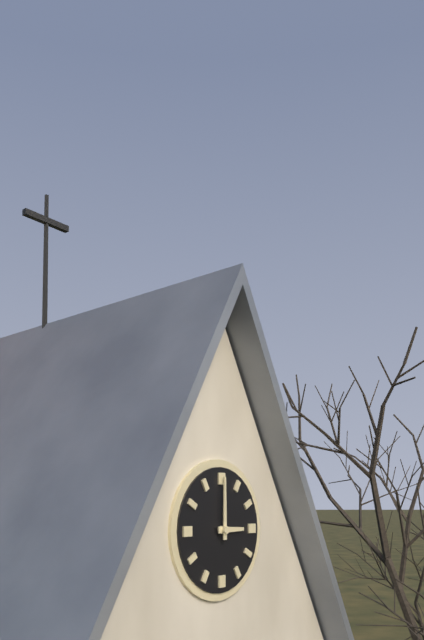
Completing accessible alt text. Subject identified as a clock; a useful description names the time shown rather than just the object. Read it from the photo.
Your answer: 3:00
